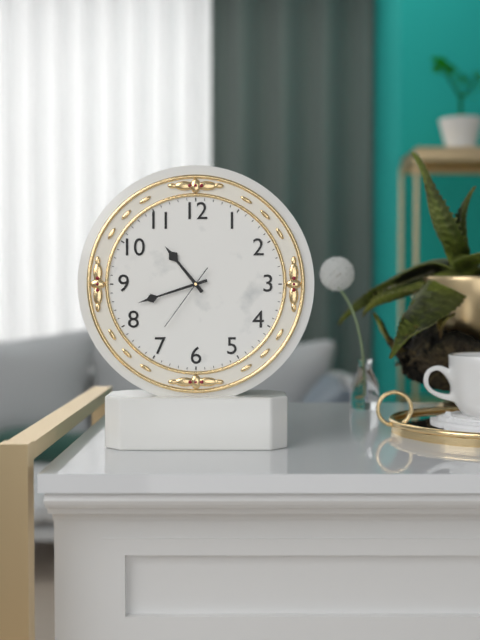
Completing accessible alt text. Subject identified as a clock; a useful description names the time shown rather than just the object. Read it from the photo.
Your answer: 10:42:36
